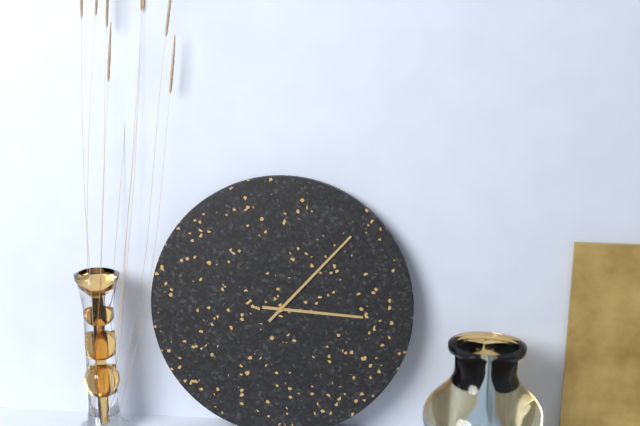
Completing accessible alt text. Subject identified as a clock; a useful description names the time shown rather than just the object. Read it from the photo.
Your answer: 3:07
